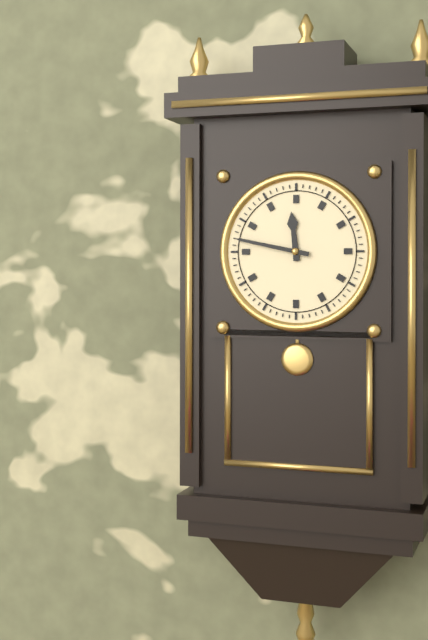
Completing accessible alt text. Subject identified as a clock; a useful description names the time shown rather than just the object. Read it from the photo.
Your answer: 11:47
